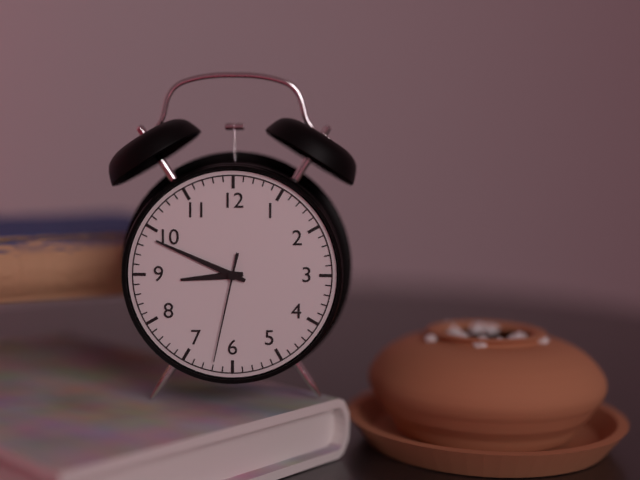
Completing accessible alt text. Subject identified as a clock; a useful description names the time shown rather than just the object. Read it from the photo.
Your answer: 8:49:32
